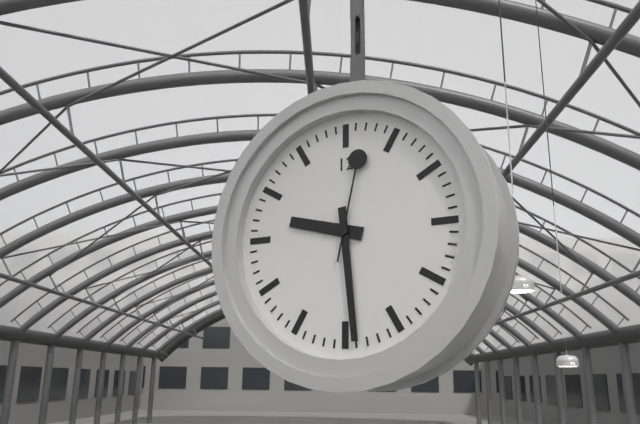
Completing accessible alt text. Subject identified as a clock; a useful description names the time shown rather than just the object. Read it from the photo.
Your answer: 9:29:02
